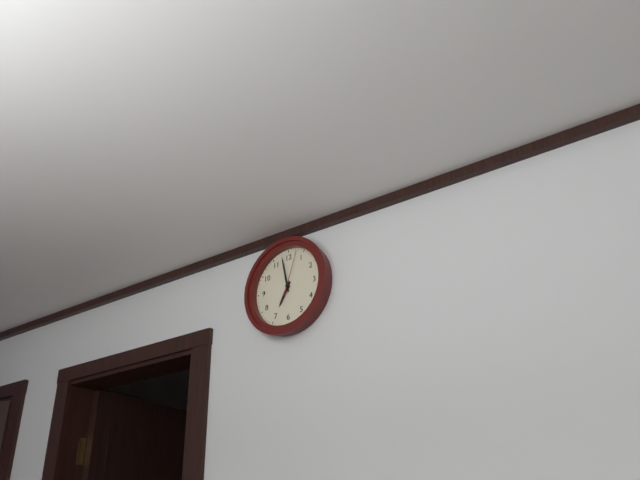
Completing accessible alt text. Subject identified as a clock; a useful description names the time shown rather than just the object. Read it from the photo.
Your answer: 6:58
